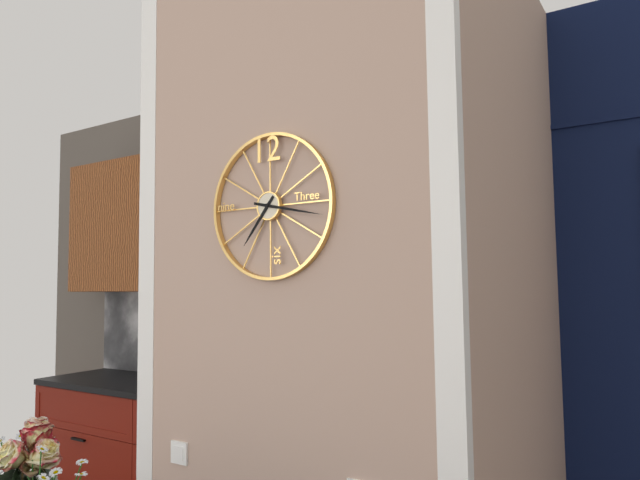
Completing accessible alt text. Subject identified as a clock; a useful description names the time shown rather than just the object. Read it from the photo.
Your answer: 7:17
